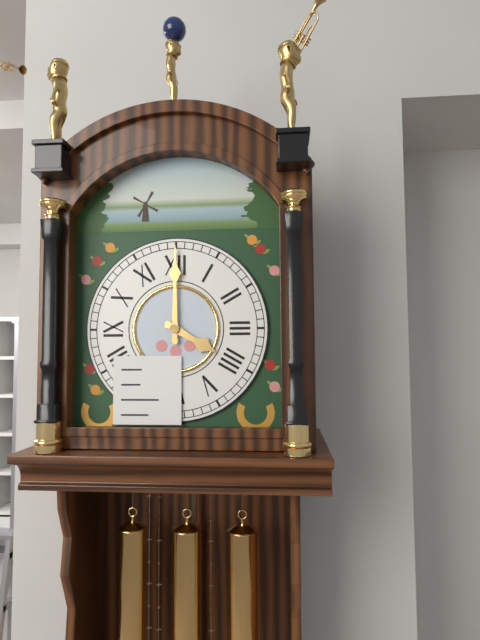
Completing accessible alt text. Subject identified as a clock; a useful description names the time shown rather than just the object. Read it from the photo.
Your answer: 4:00
